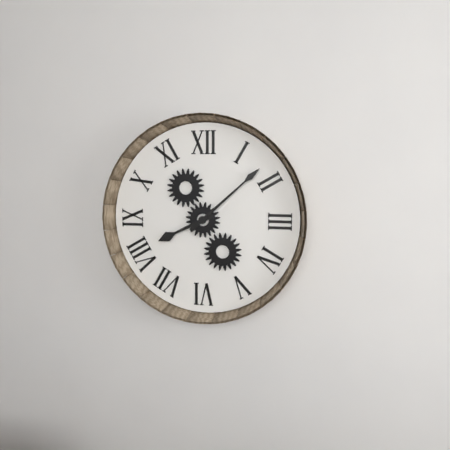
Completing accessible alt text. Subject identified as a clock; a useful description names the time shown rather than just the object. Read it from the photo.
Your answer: 8:08
